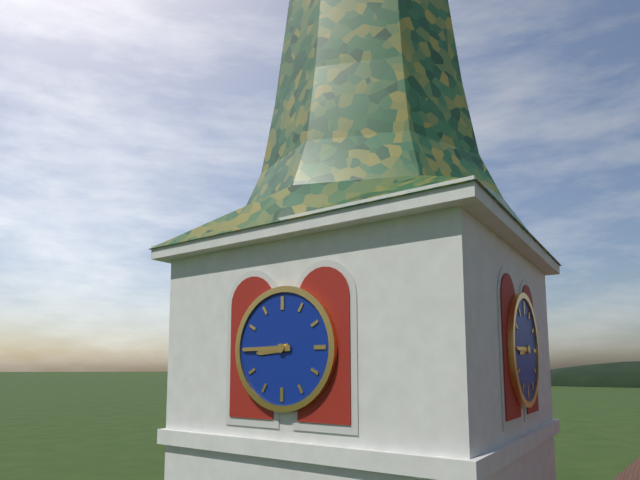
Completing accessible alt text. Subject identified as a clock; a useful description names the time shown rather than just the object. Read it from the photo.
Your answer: 8:45
